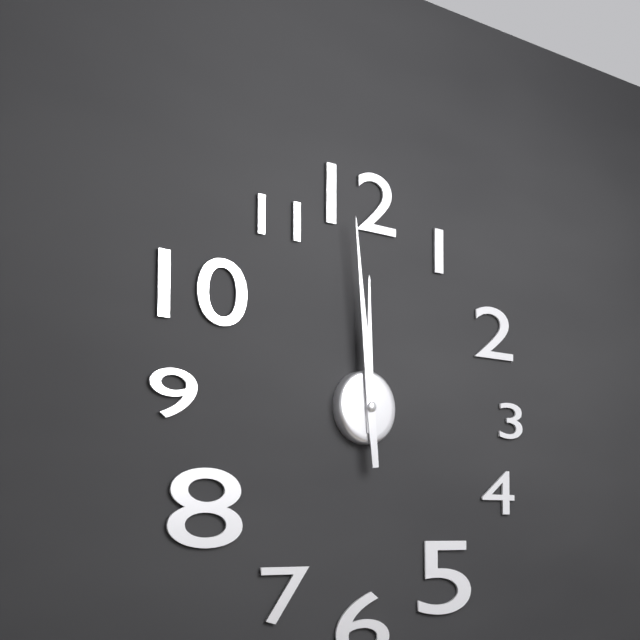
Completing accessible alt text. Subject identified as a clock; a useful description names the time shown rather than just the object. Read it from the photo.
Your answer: 11:59
